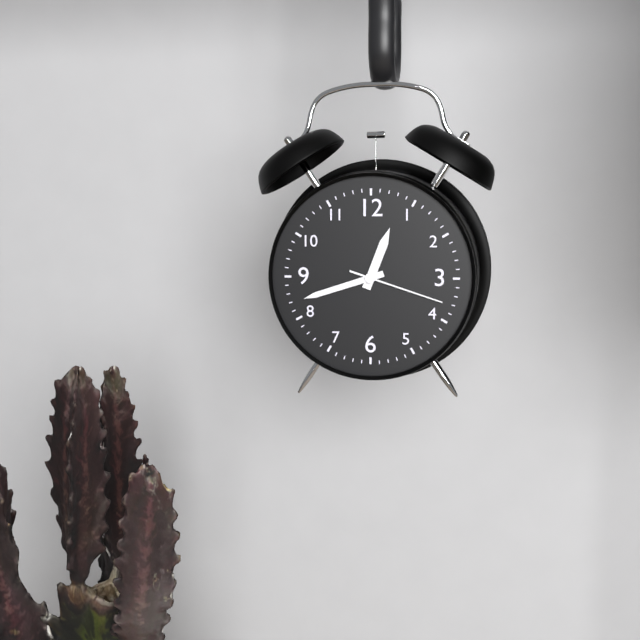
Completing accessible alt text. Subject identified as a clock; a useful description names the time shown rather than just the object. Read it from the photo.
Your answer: 12:42:18
